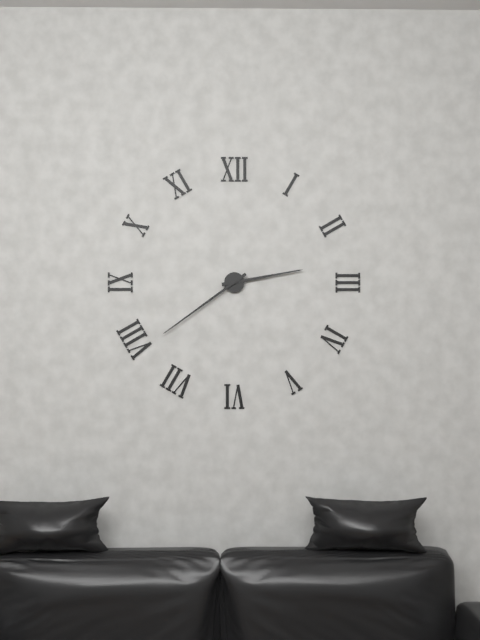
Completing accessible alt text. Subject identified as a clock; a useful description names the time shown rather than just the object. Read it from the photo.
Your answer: 2:39
